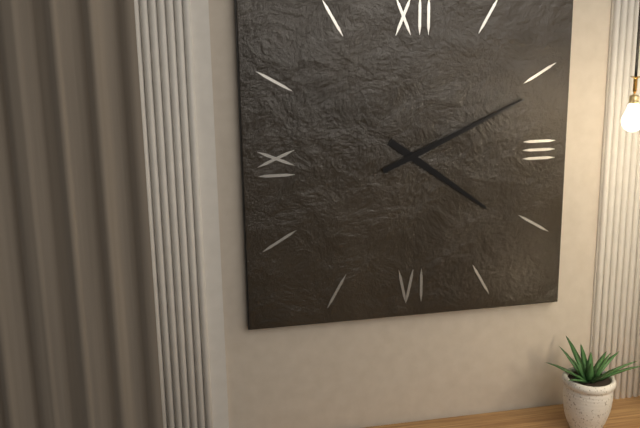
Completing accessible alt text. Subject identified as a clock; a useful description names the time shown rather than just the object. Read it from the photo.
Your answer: 4:11
